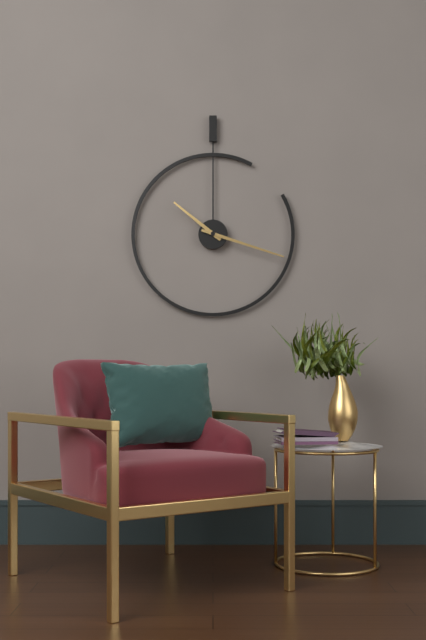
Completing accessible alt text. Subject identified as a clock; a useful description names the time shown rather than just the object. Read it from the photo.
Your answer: 10:18
